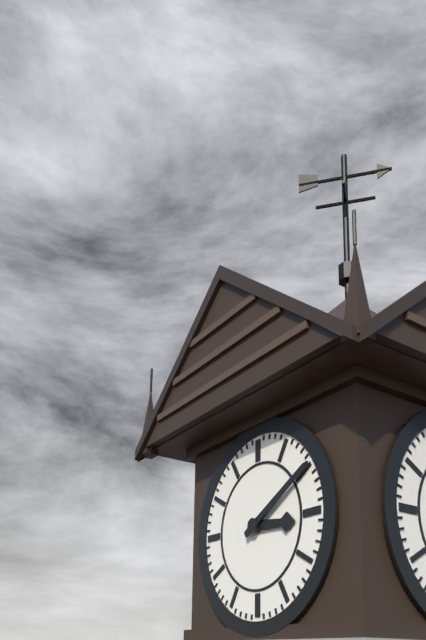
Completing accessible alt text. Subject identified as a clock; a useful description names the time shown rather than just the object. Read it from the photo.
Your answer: 3:10
